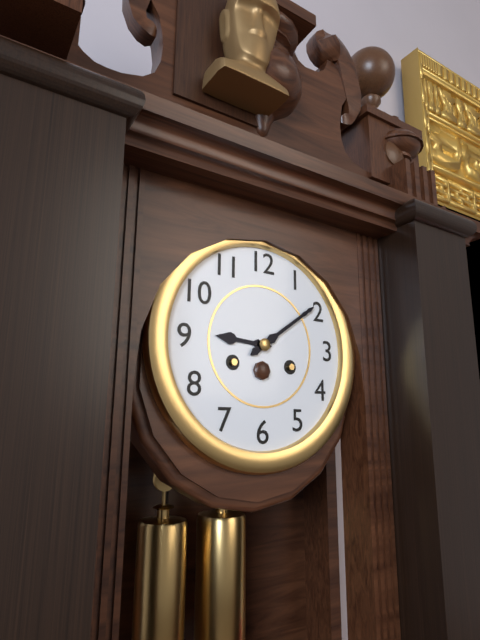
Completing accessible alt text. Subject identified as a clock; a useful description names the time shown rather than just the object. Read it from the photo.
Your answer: 9:09
